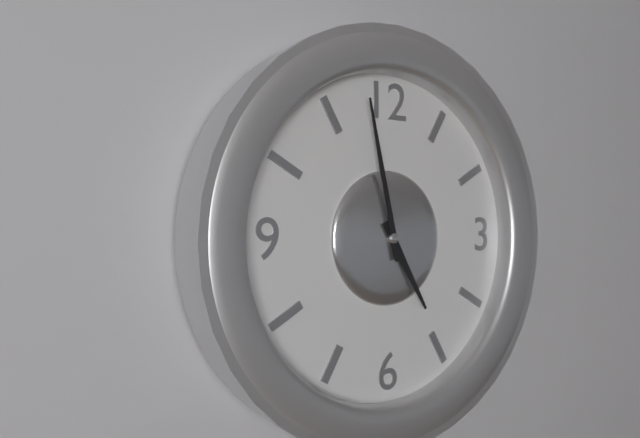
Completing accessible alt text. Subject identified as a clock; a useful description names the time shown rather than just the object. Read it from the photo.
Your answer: 4:58
